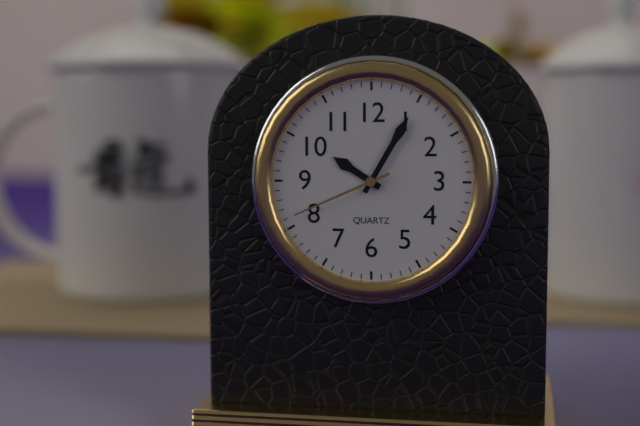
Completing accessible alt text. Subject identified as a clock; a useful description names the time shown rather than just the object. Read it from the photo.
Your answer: 10:05:41
